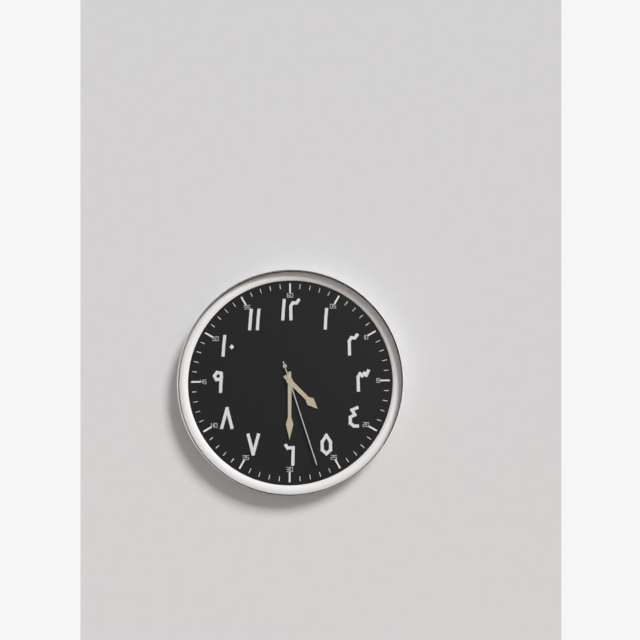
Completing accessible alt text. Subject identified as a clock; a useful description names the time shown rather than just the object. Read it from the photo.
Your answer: 4:30:27
